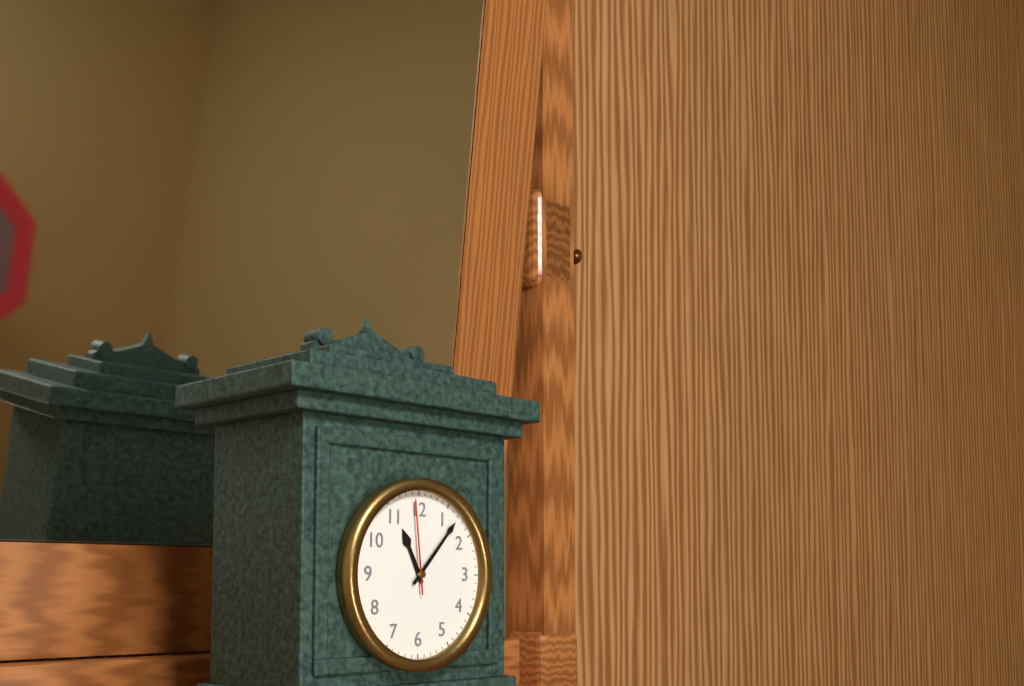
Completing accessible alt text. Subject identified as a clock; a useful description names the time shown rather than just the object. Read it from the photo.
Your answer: 11:07:59
